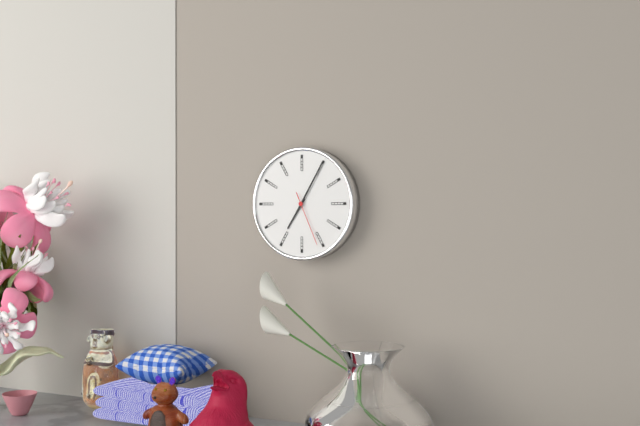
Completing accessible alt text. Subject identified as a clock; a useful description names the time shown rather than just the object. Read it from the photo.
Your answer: 7:05:26
